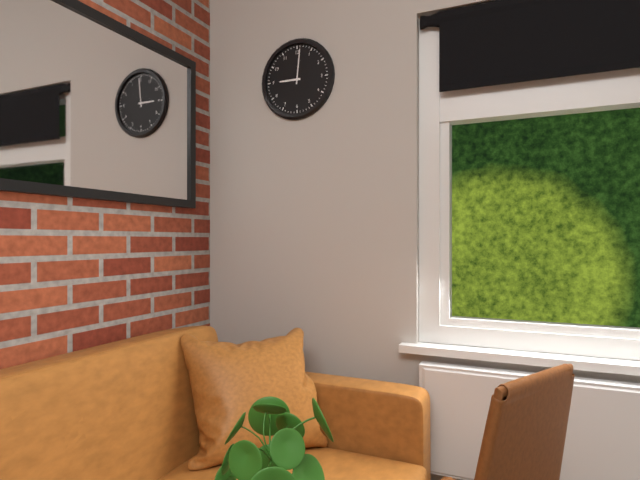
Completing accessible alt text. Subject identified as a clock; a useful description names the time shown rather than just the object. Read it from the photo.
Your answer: 9:01
